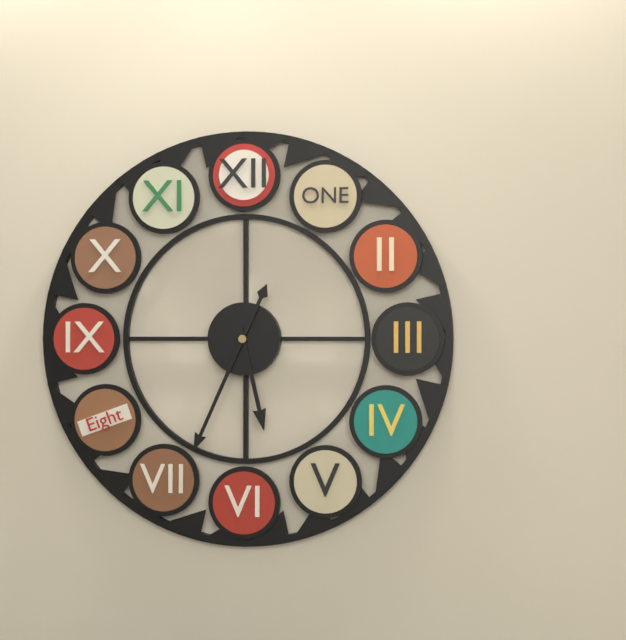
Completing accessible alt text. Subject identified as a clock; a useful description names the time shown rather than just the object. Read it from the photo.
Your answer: 5:34
